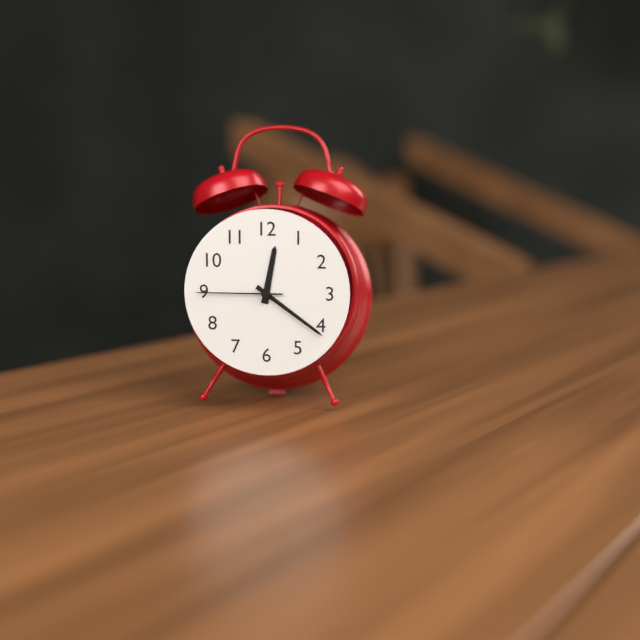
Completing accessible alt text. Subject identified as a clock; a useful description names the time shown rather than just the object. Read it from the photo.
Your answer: 12:21:45
